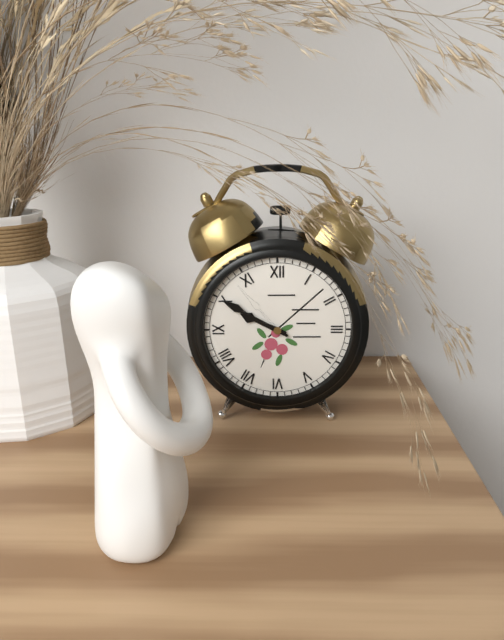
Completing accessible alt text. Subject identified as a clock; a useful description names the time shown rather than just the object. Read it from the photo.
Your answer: 9:50
